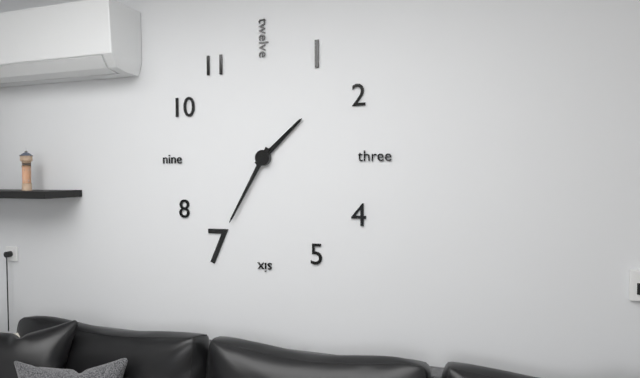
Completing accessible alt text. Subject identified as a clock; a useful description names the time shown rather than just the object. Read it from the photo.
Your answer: 1:35
